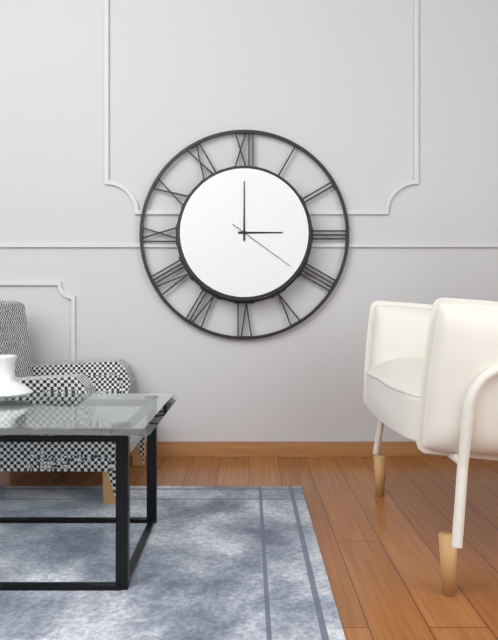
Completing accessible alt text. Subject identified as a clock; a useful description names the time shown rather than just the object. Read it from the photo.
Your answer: 3:00:21
